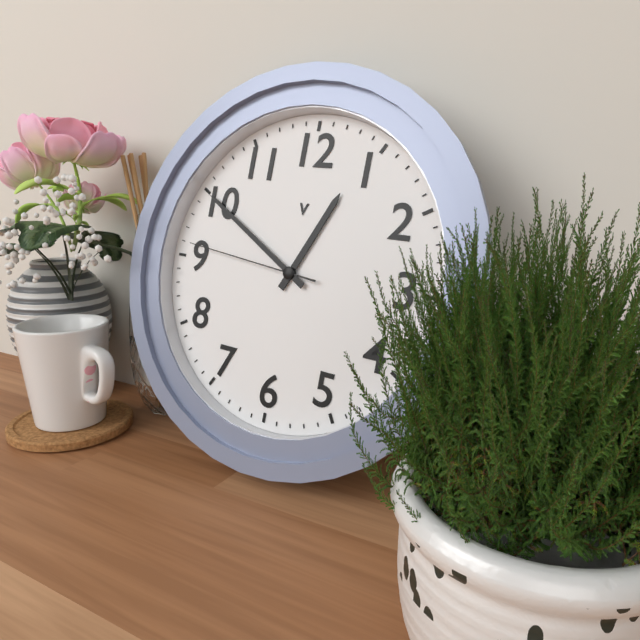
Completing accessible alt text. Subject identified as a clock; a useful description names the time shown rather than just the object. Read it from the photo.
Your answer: 12:50:46
